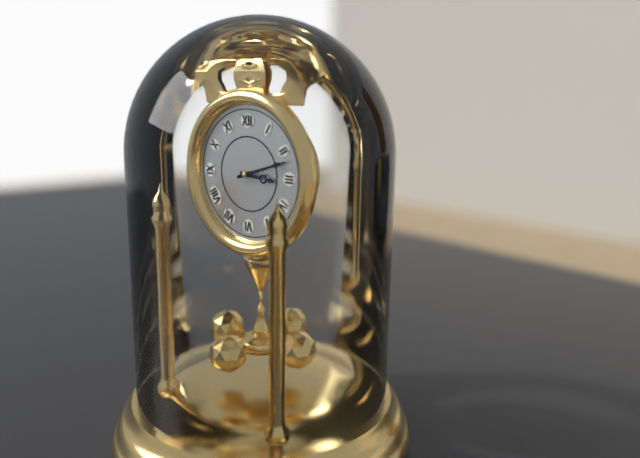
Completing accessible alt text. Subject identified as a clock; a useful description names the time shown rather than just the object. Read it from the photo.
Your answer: 3:12
